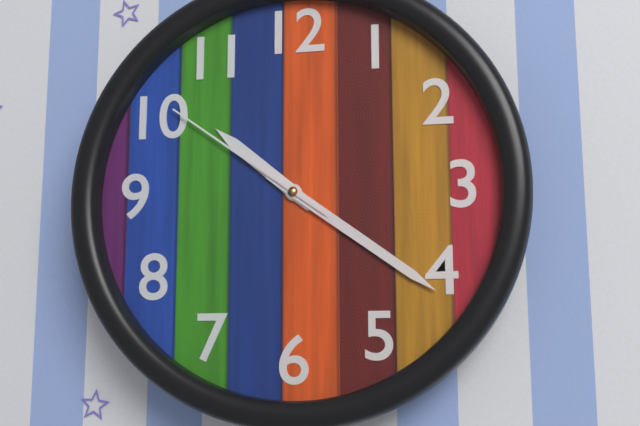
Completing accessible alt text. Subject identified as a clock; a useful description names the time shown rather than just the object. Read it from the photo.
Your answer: 10:21:51
